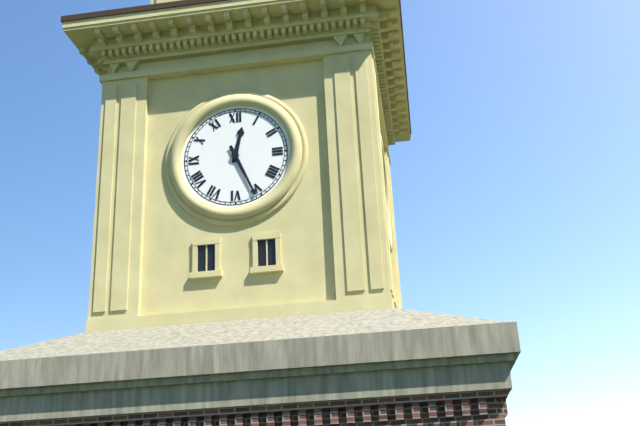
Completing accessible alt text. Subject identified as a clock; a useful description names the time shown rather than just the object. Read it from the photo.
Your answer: 12:26
